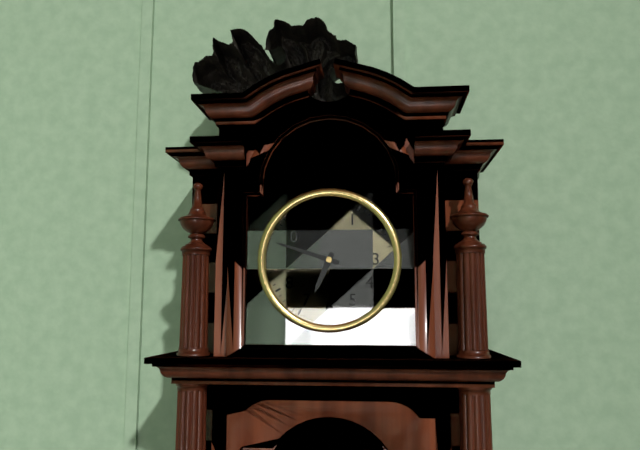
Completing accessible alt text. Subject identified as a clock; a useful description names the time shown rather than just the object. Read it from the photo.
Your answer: 6:48
